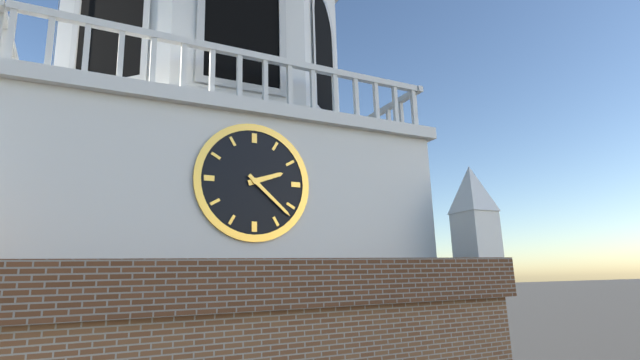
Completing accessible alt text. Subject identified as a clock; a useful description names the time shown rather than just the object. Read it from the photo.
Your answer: 2:22
